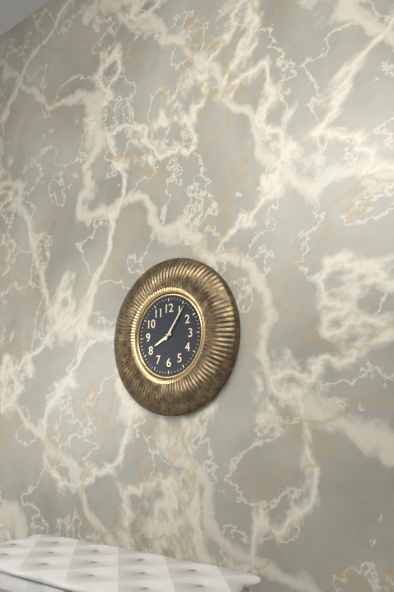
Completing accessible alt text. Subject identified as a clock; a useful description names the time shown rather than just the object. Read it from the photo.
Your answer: 8:06
